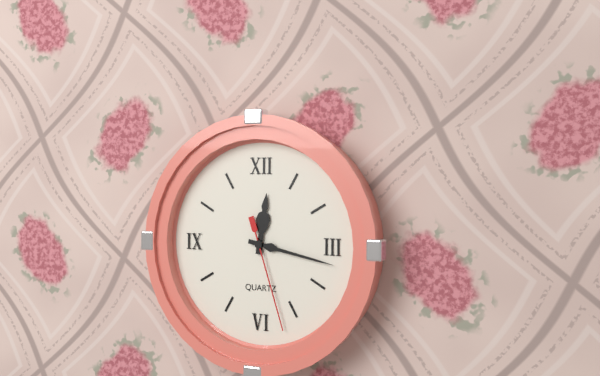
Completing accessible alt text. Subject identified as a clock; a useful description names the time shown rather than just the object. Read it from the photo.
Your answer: 12:17:27
